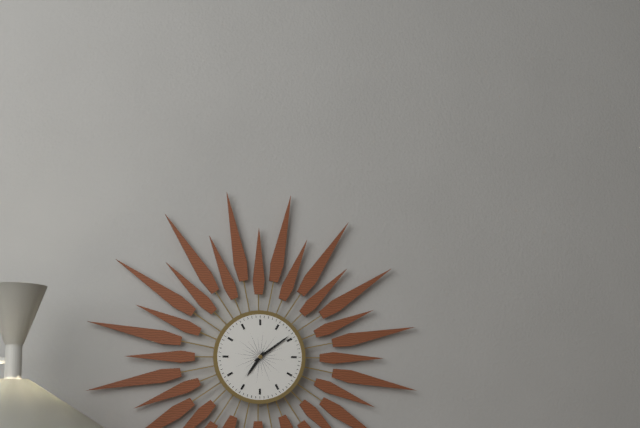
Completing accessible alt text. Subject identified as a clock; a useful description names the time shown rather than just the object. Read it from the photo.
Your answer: 7:09
